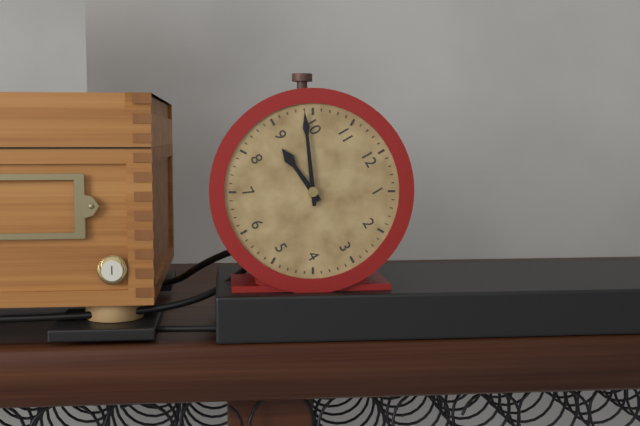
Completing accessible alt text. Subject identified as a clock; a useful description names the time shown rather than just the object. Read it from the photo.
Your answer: 8:49
